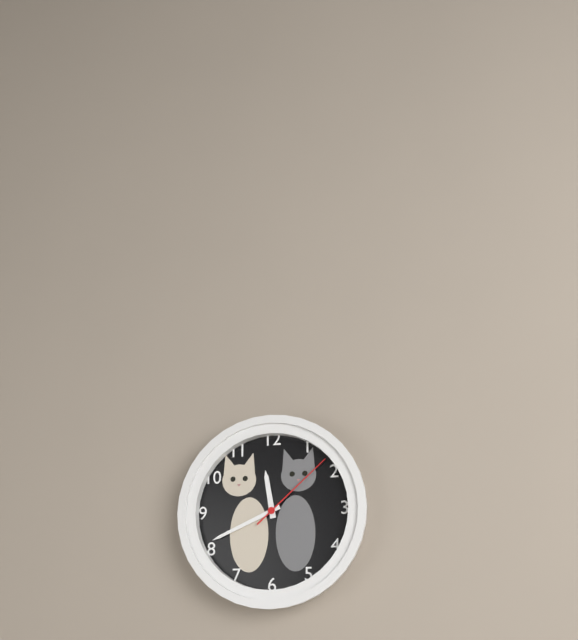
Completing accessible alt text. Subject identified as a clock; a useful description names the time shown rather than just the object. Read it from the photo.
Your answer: 11:41:08
